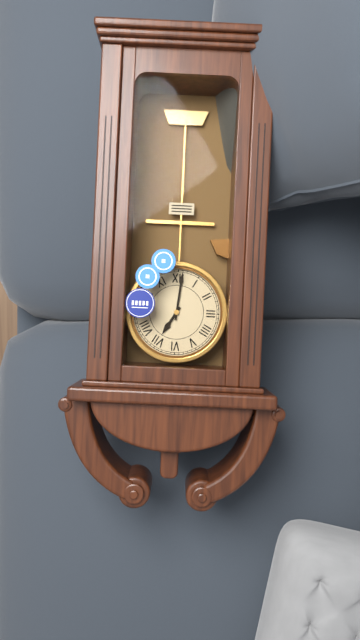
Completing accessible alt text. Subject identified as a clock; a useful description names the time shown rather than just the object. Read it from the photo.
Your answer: 7:01
